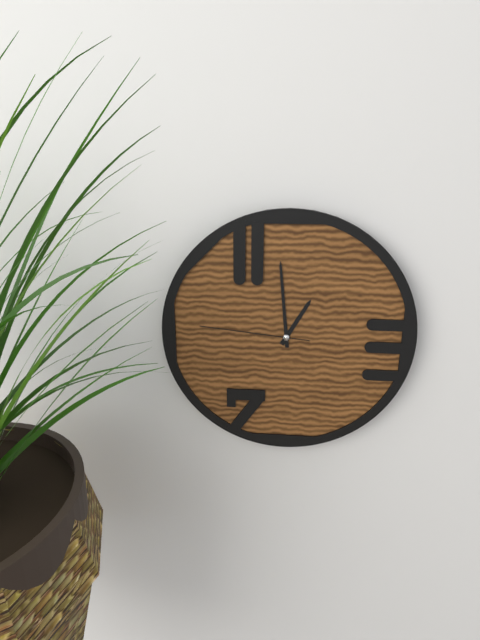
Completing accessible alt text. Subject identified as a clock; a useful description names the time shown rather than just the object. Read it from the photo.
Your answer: 12:59:46
